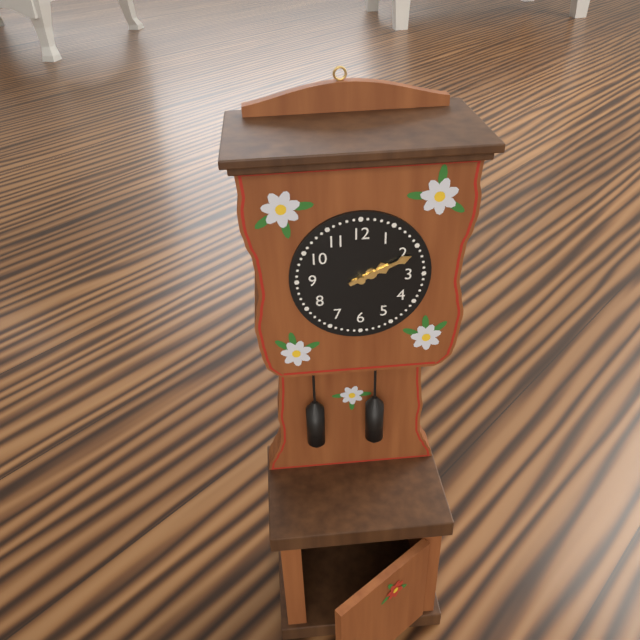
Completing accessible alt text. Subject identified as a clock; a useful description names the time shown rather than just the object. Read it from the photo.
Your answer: 2:11
